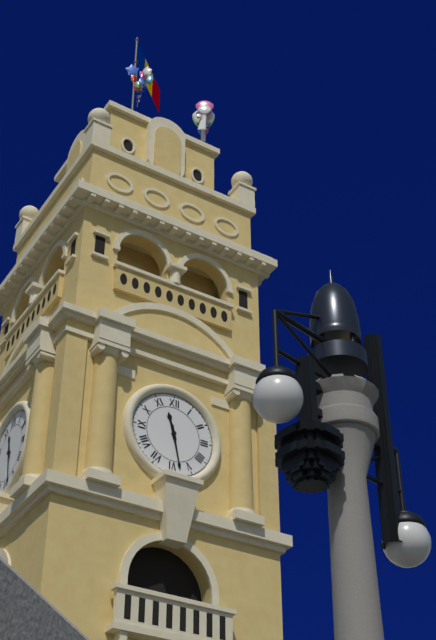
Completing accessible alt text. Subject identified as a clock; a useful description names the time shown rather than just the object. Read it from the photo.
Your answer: 11:28
